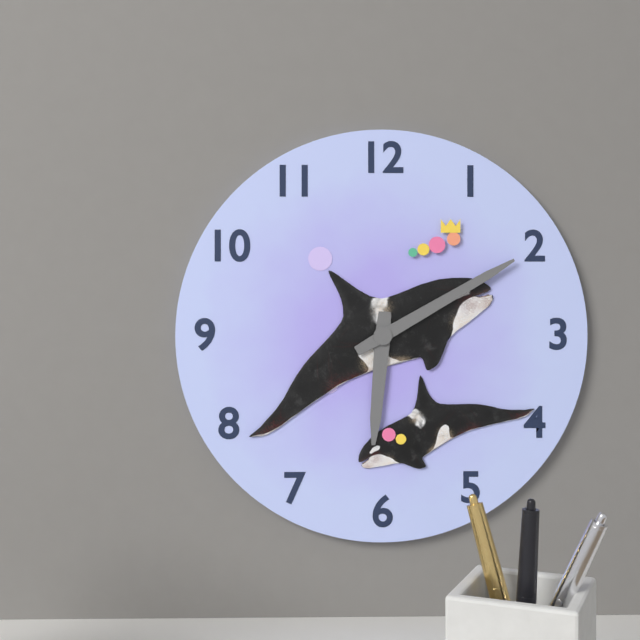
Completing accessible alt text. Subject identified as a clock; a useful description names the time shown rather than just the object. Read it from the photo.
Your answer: 6:10
